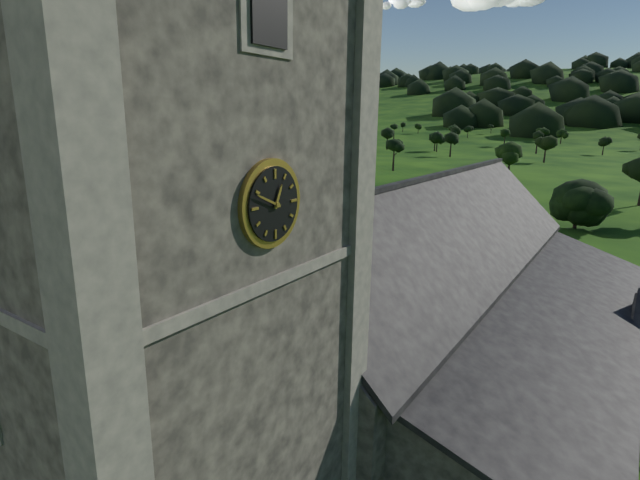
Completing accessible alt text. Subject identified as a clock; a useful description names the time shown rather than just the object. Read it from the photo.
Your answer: 12:49
